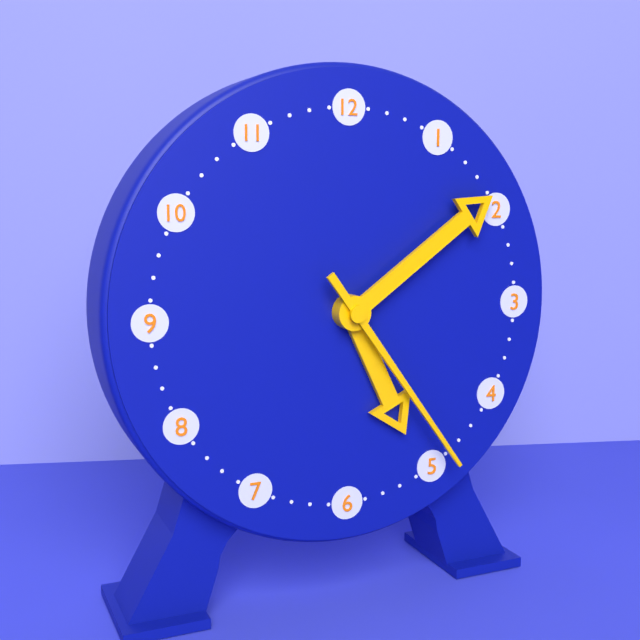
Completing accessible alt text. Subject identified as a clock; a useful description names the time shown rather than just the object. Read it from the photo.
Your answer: 5:09:24
